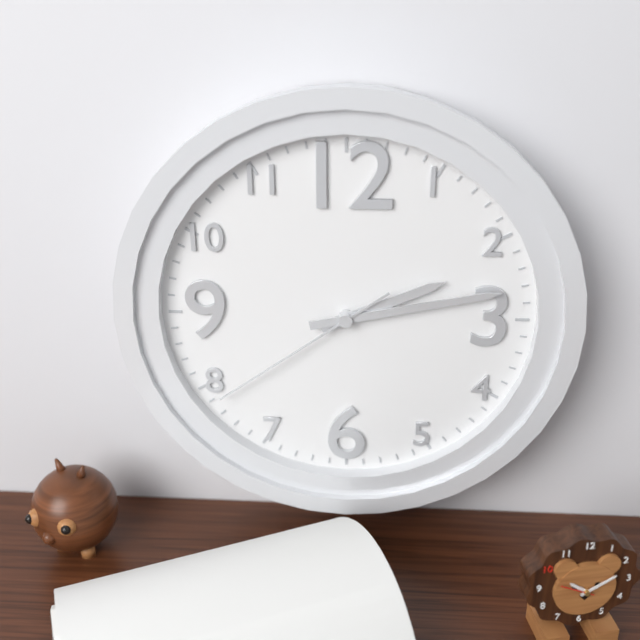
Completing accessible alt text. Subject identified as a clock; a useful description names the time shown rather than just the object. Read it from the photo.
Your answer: 2:13:39
